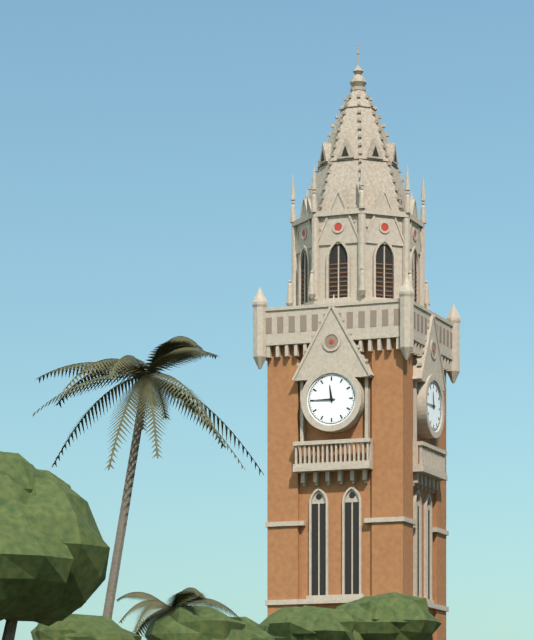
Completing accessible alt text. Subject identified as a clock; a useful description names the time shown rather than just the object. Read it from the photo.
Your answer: 11:45
